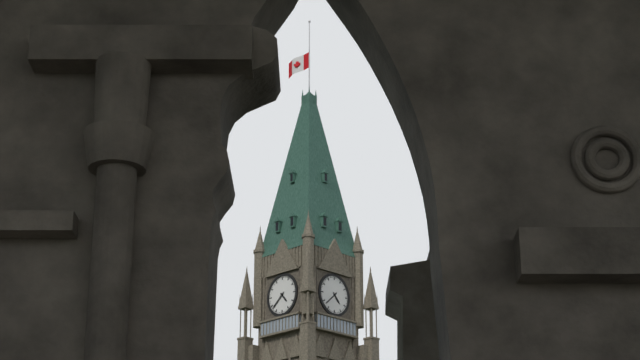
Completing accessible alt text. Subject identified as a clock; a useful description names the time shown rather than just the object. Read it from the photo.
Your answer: 4:38
